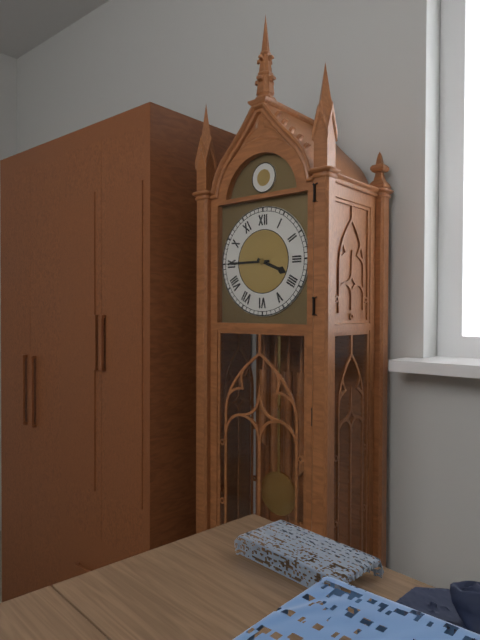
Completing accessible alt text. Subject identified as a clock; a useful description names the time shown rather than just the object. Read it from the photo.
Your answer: 3:45
